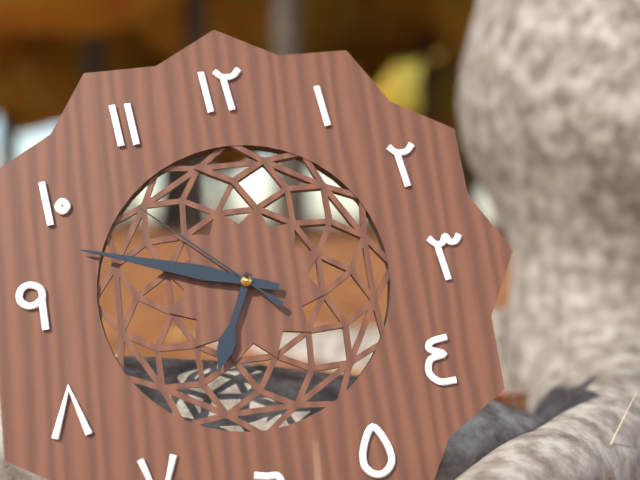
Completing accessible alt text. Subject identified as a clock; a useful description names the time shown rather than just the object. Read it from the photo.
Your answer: 6:48:52
